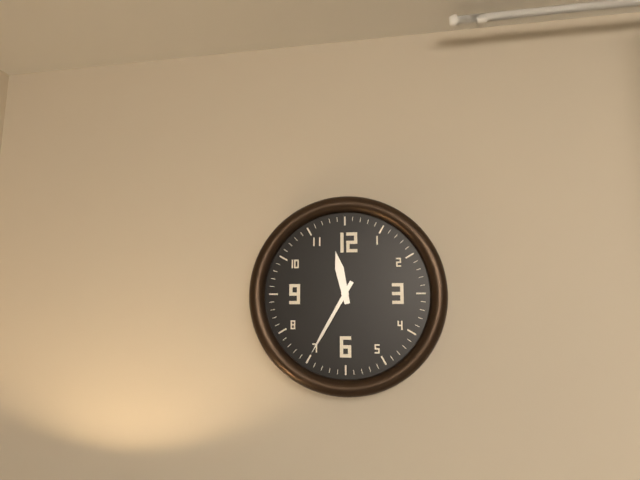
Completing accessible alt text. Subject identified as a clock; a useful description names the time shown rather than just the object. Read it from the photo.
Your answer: 11:35
